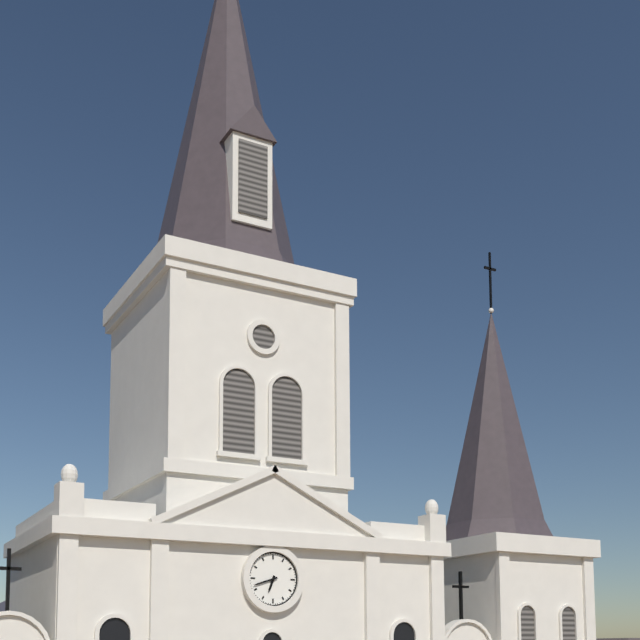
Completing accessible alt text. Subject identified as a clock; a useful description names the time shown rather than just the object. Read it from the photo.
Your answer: 6:42
